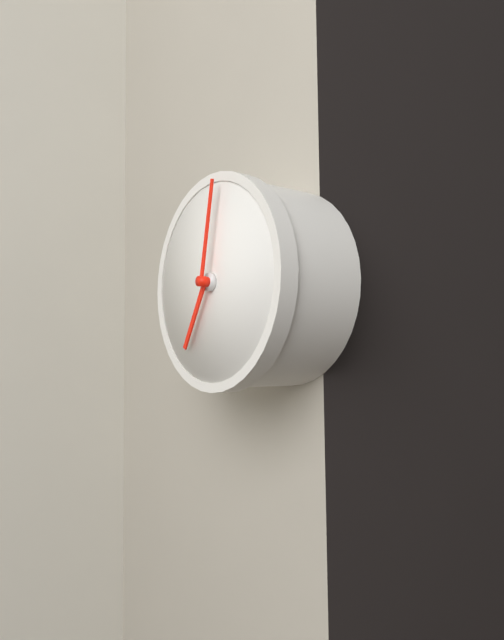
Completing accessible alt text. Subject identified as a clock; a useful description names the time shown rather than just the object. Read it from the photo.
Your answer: 7:02
